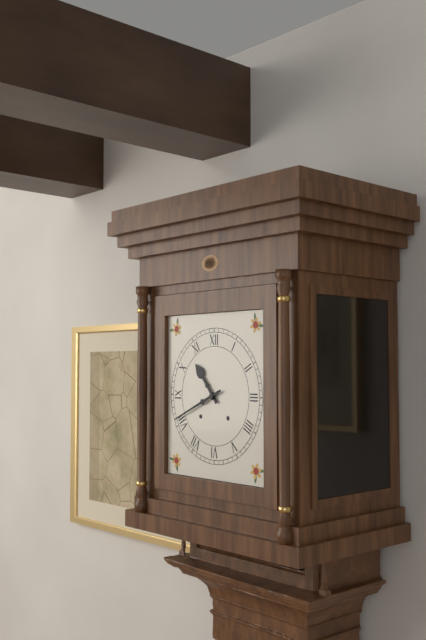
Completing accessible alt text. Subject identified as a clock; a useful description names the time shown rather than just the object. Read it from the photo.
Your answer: 10:41
